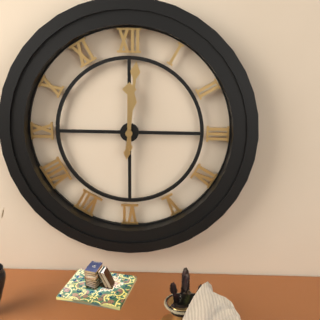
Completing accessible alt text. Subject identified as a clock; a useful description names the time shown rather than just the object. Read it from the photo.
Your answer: 12:01
